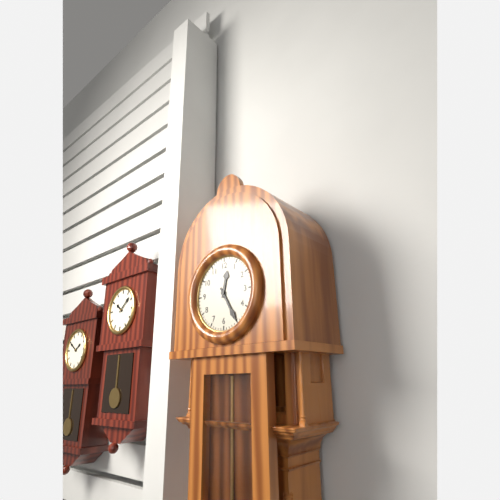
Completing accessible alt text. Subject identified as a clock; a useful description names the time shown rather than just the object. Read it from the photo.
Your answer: 12:25
